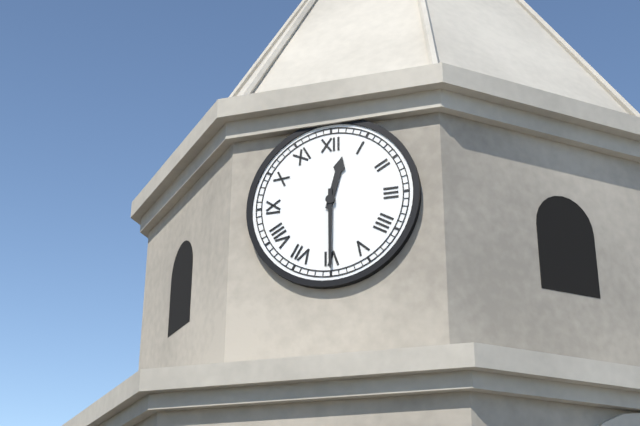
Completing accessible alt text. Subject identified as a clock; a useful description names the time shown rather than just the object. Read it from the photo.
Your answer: 12:30
